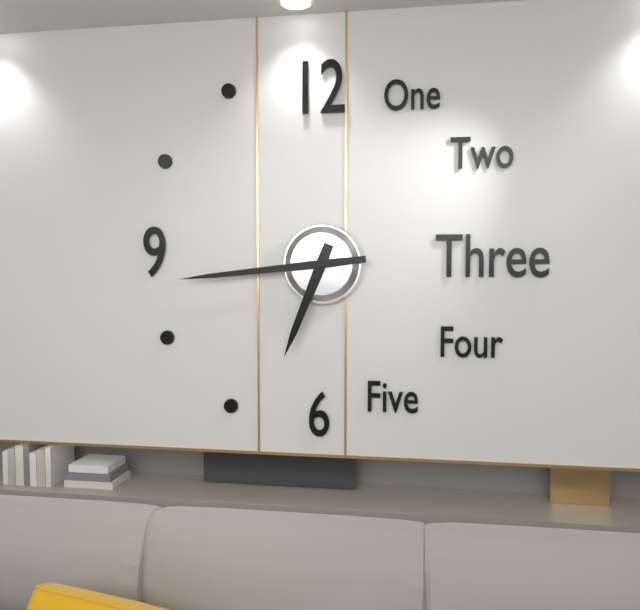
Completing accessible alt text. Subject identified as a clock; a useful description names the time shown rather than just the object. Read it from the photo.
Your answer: 6:44
